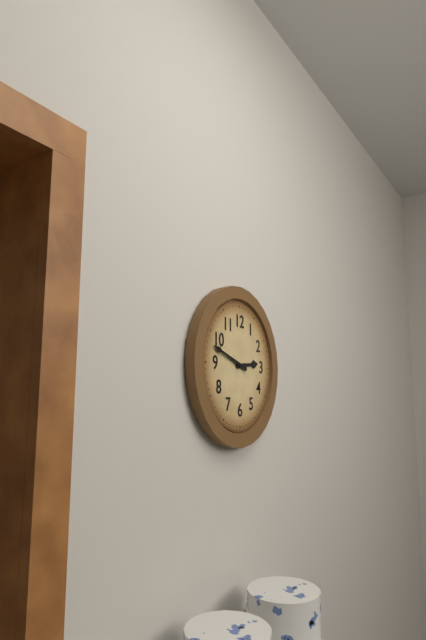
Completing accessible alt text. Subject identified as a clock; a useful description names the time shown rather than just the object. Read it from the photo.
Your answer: 2:48
